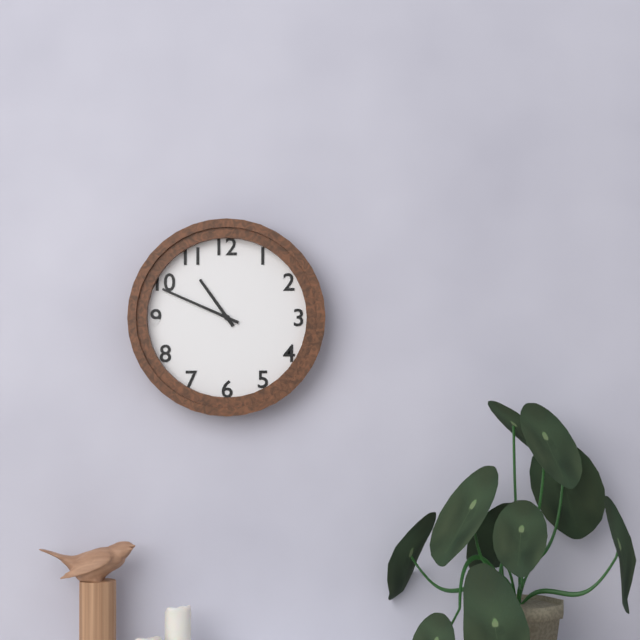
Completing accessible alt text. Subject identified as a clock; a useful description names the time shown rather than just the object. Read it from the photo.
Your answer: 10:49
